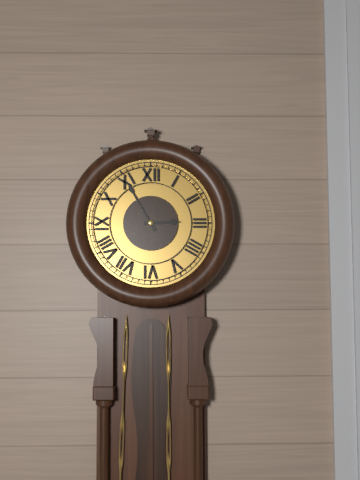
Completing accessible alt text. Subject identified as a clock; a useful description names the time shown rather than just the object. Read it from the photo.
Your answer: 2:55
